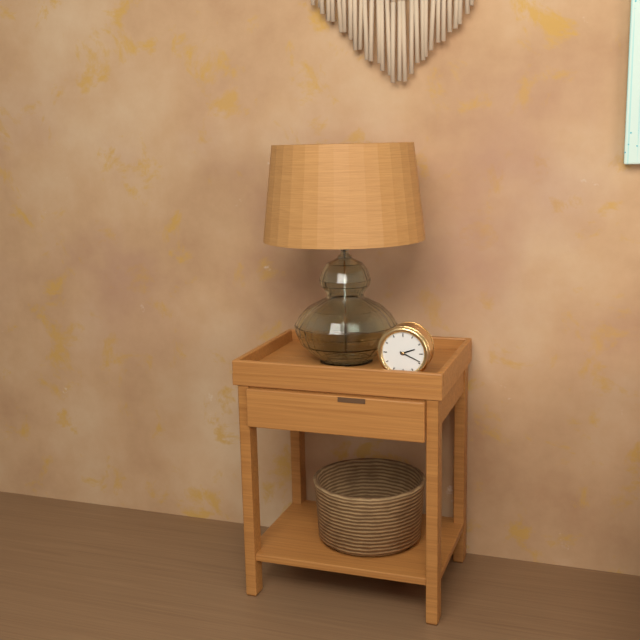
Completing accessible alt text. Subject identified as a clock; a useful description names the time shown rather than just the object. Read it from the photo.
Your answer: 2:19
